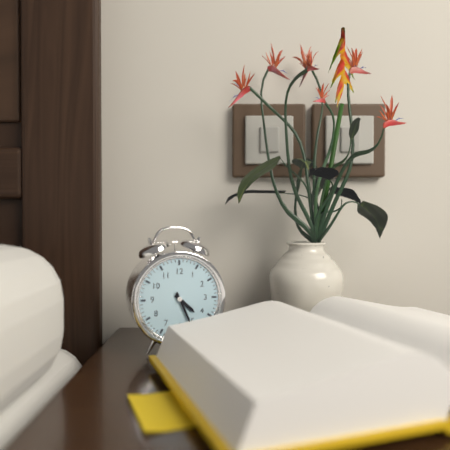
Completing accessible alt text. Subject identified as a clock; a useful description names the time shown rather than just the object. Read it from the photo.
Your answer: 4:26
